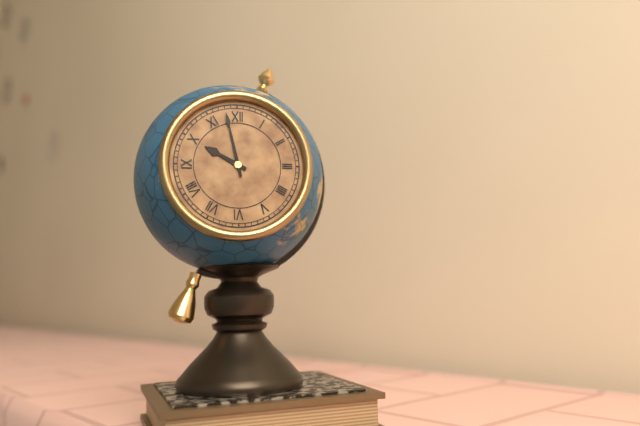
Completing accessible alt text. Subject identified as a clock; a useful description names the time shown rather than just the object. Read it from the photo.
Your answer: 9:58
